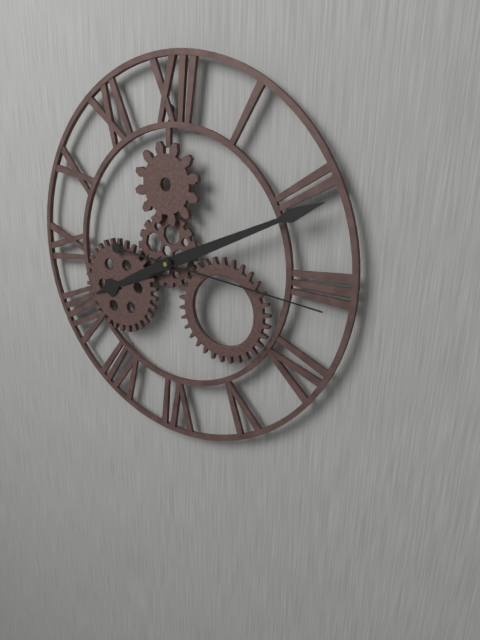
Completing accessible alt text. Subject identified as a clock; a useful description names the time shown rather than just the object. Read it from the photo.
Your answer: 8:11:16
